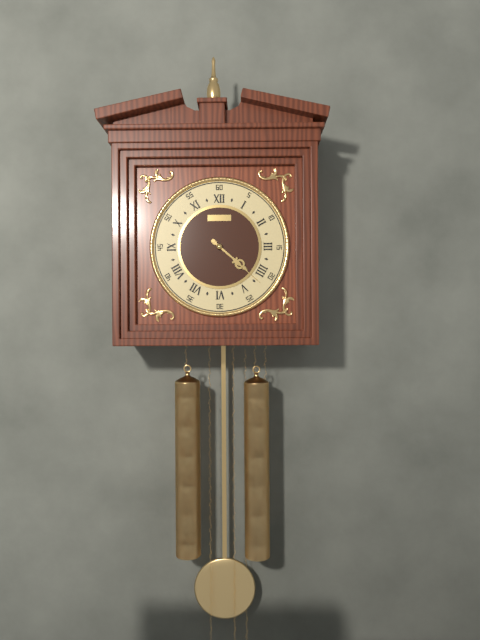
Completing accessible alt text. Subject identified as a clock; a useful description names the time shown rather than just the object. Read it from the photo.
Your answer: 4:22
